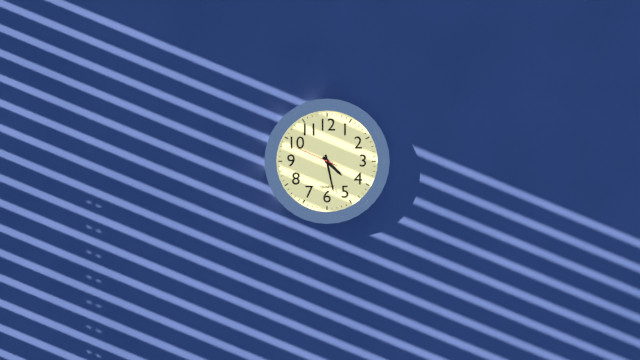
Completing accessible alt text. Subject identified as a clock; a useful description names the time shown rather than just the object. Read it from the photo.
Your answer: 4:28
